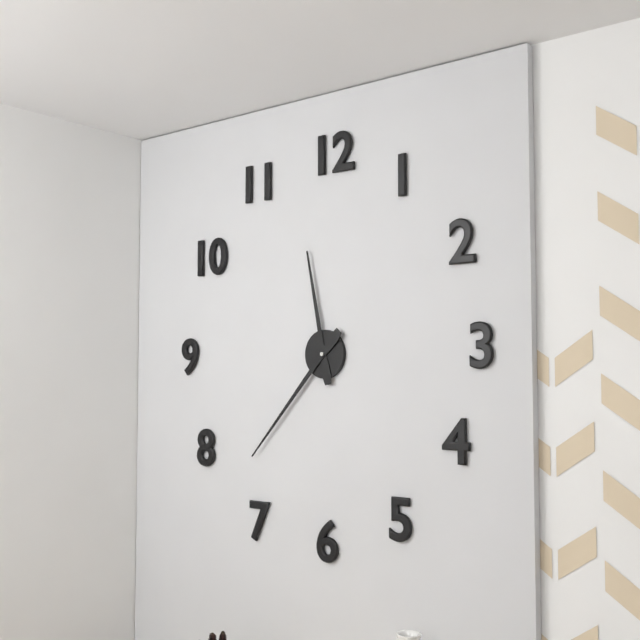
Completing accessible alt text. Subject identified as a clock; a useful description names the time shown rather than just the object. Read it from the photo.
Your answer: 11:37
